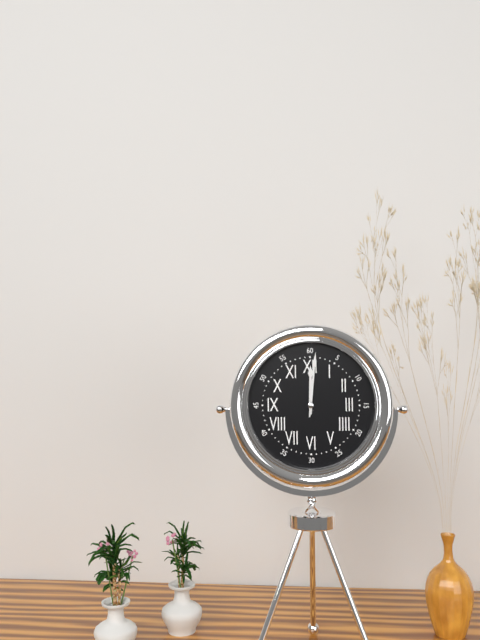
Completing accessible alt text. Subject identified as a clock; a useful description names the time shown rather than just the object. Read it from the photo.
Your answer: 12:01
